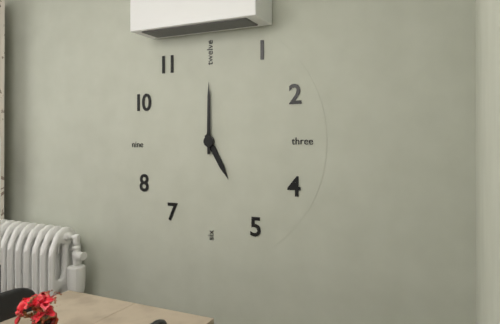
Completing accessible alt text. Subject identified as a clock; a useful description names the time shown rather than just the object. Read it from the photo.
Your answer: 5:00
